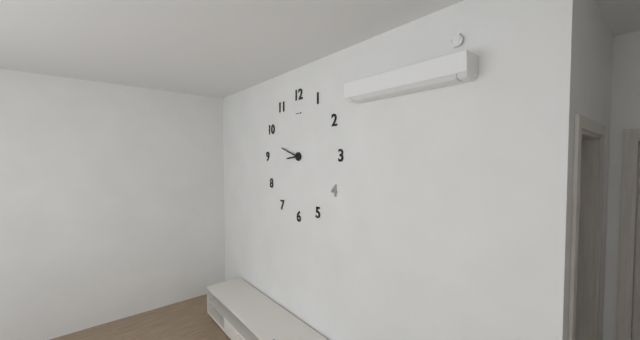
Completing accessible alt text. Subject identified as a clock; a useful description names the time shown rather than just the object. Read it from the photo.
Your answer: 8:48
